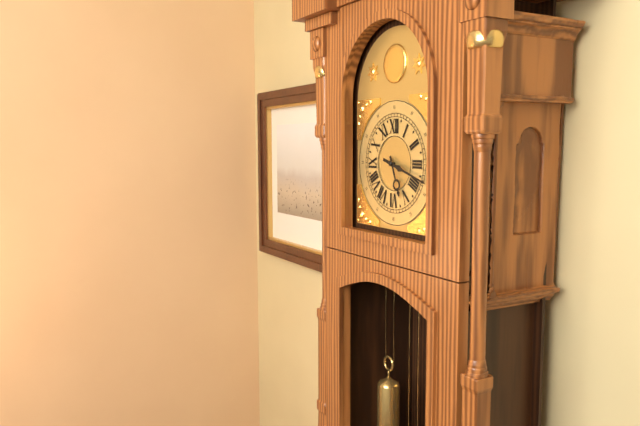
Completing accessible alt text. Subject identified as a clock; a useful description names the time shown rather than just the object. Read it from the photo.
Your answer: 5:18
